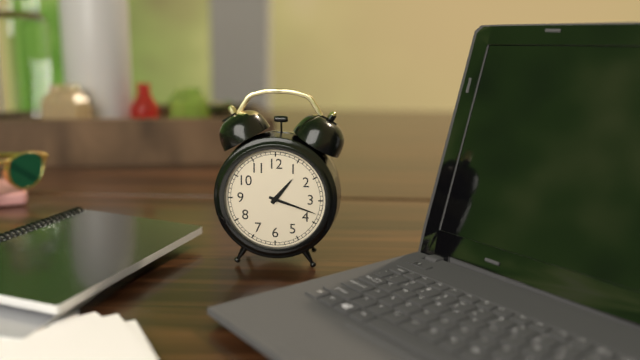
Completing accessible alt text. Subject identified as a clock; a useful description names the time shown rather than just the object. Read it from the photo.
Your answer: 1:18
